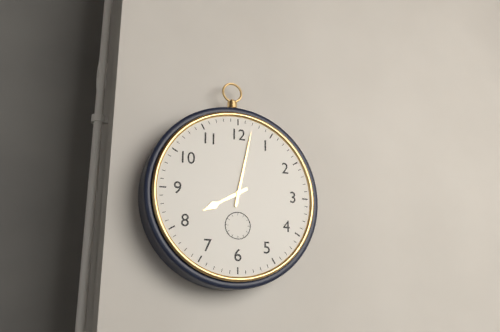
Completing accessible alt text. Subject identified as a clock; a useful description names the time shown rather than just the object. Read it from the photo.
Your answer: 8:02
